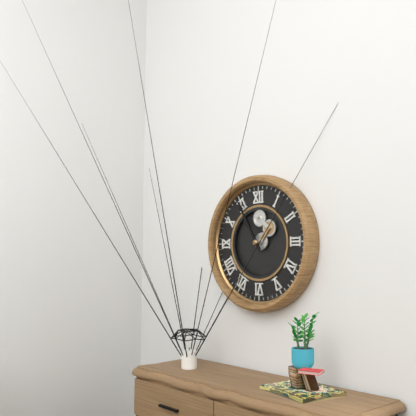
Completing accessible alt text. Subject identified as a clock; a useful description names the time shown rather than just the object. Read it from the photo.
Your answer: 10:55
